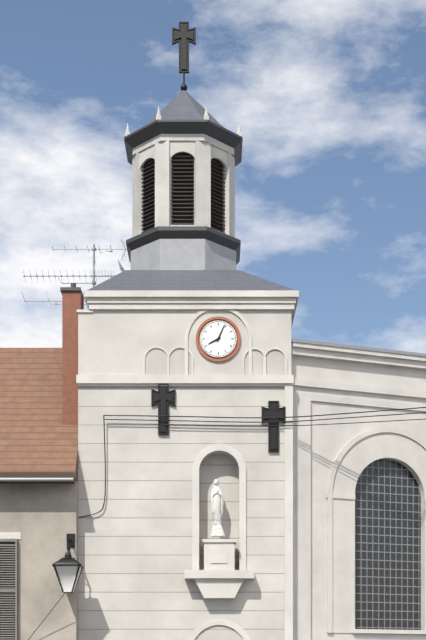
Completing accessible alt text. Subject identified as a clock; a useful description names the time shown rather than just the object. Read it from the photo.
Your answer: 8:04
